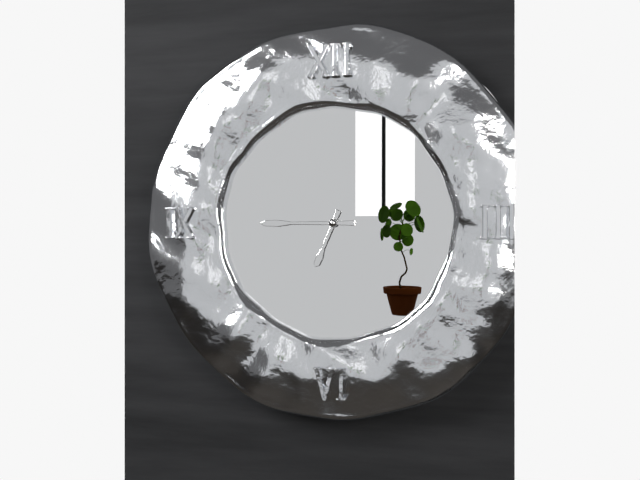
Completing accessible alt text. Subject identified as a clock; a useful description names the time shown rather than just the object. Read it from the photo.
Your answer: 6:45
